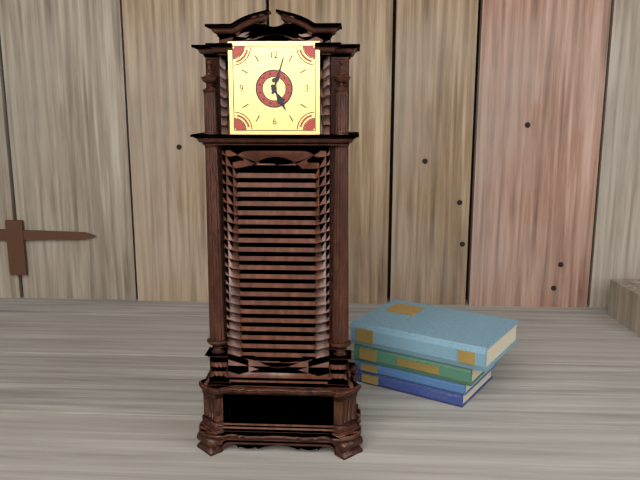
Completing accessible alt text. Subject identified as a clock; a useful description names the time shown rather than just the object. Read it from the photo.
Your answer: 5:03
